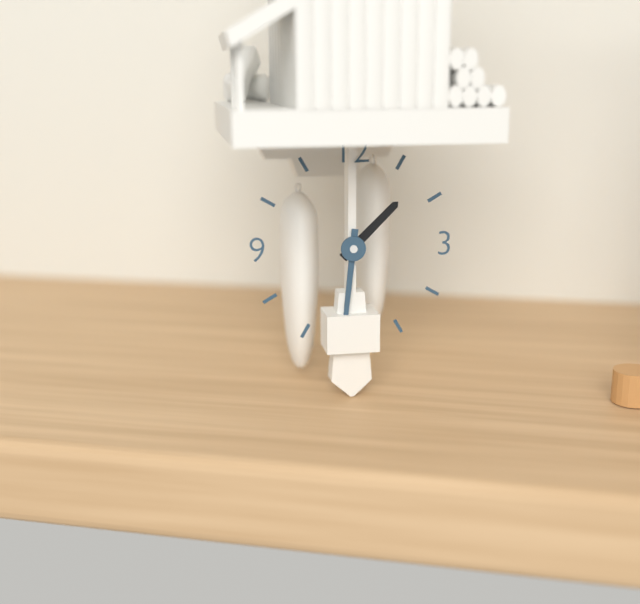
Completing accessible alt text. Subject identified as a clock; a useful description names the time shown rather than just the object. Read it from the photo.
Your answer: 1:31
